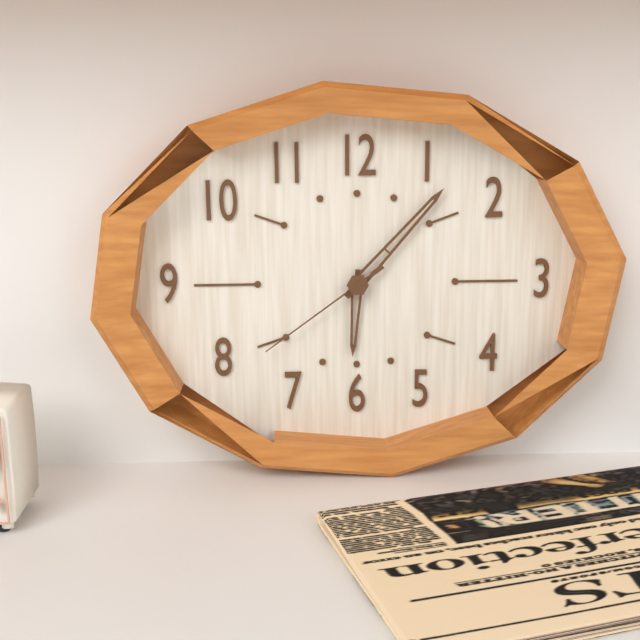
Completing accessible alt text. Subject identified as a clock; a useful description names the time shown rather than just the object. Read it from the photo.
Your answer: 6:07:39
